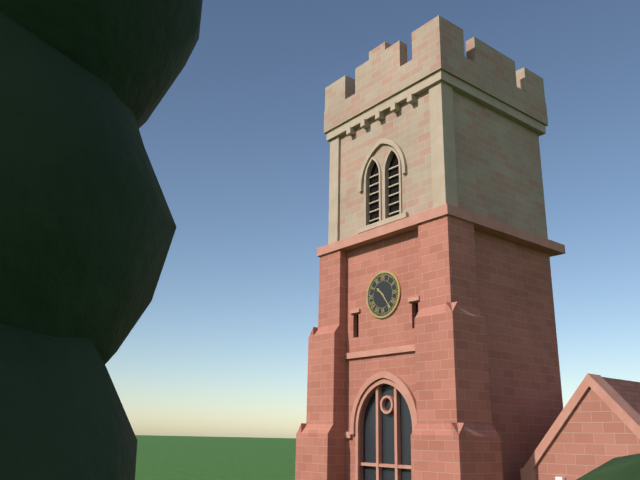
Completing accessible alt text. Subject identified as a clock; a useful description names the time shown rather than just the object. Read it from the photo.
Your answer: 10:24
